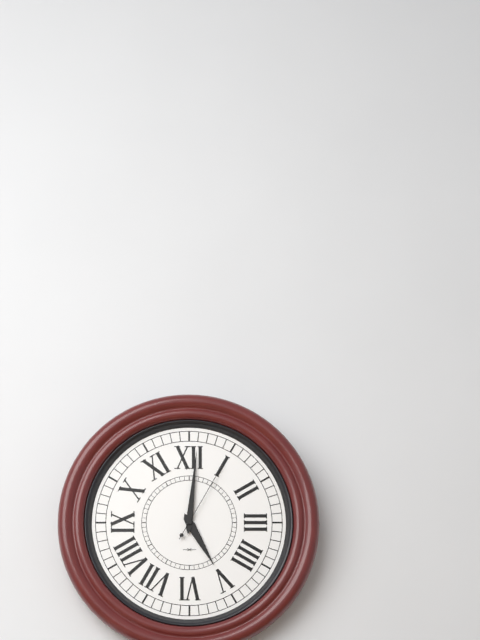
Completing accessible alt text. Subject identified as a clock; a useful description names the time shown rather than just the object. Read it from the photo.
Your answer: 5:01:05
